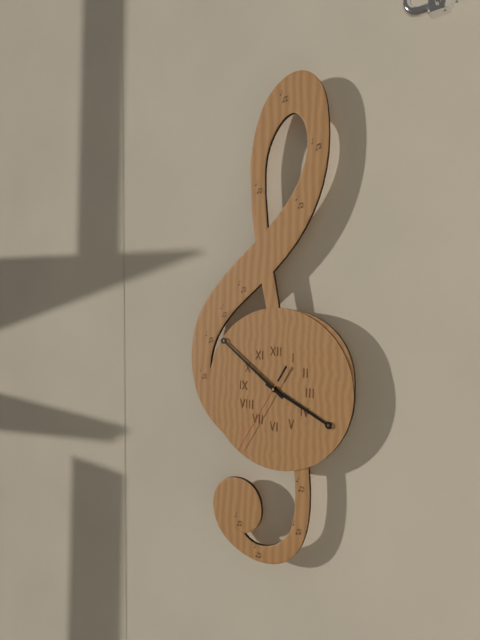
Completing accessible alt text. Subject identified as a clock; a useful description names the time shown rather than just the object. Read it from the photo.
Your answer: 3:51:35
